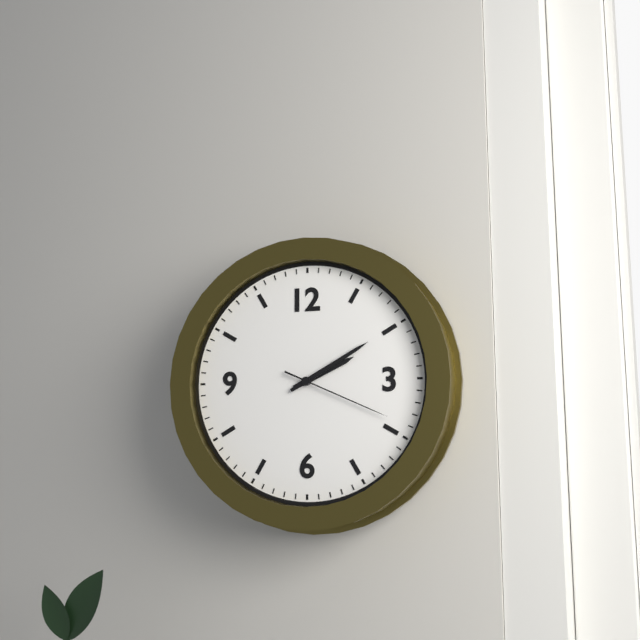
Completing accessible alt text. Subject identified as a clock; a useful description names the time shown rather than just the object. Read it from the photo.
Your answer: 2:10:19
